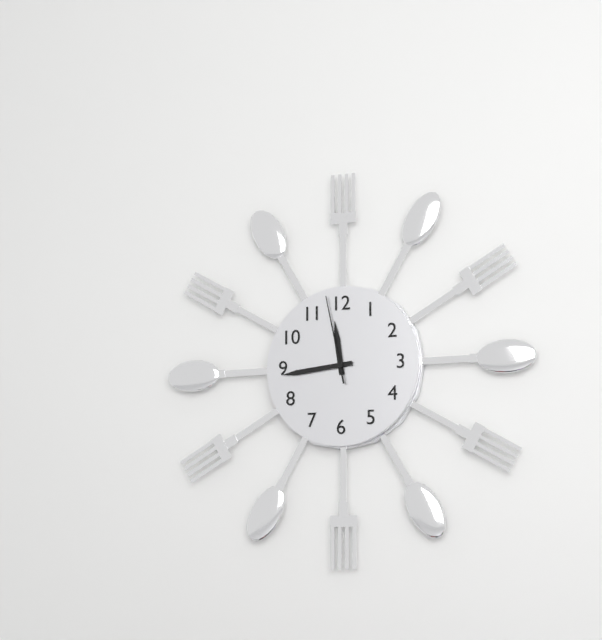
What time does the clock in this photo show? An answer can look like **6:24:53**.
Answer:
**11:44:58**
